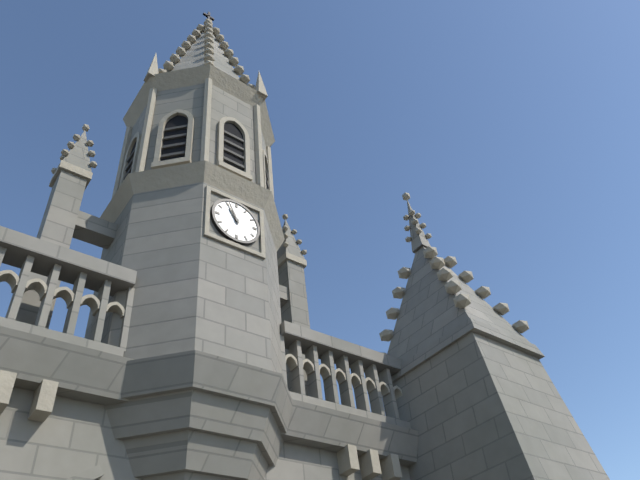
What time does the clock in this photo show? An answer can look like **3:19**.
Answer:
**10:56**
